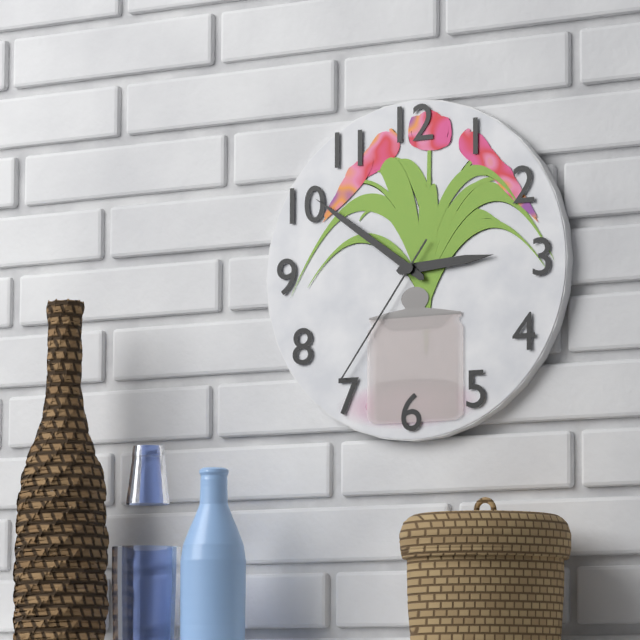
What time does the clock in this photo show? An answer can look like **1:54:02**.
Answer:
**2:51:36**
